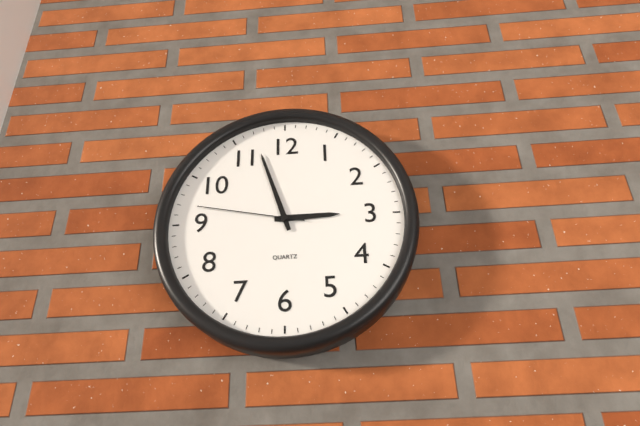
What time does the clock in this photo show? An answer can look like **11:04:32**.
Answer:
**2:57:47**
